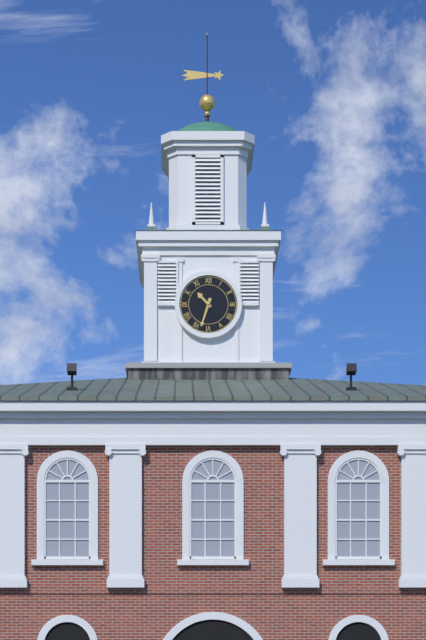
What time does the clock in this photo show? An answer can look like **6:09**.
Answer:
**10:33**
